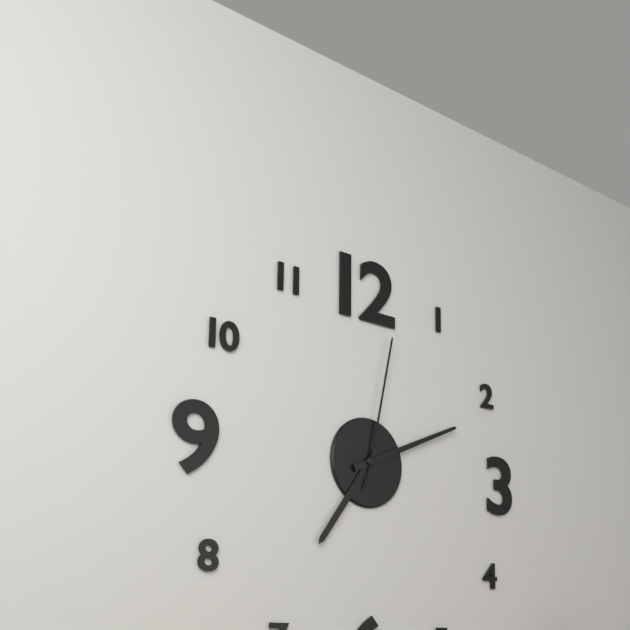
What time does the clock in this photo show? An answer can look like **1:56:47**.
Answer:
**7:11:02**
